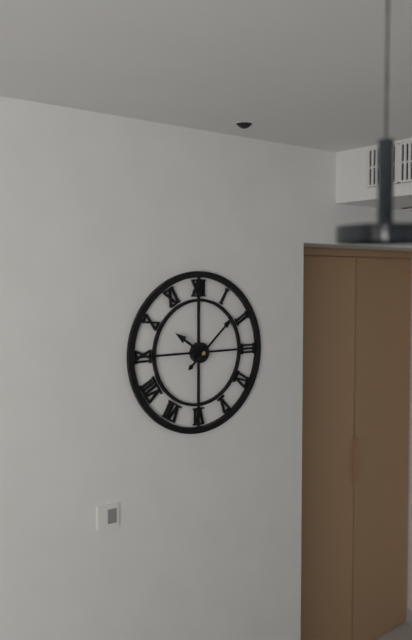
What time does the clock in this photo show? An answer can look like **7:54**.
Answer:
**10:08**
